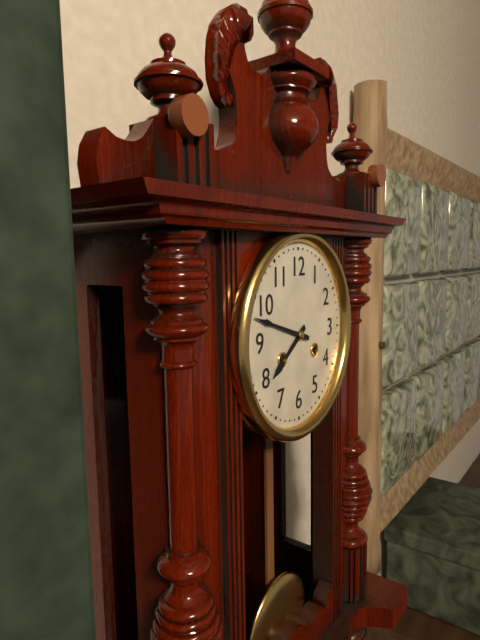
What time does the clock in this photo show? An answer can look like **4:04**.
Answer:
**7:48**
